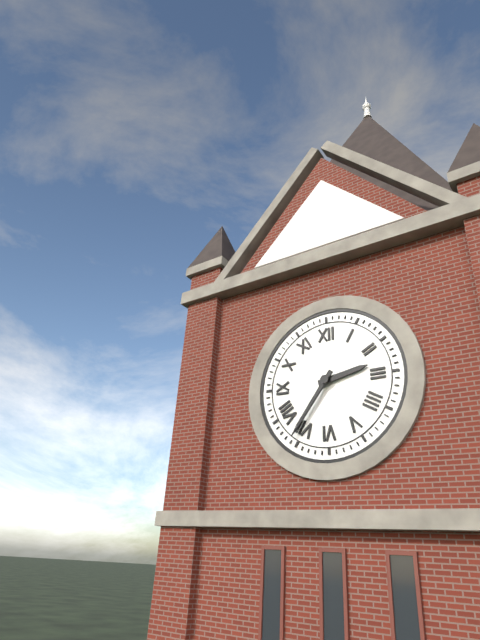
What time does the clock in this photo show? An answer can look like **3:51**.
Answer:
**2:36**
